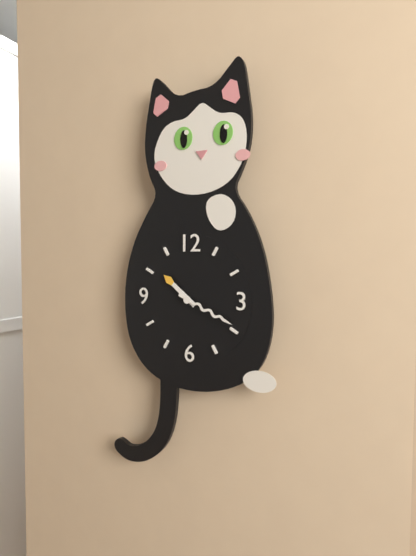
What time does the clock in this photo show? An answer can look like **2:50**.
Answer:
**10:19**
